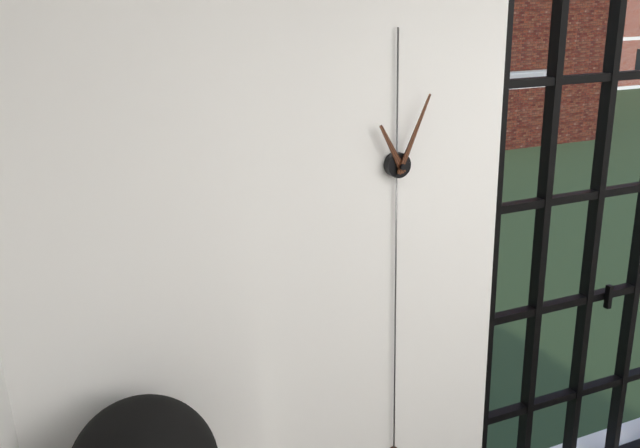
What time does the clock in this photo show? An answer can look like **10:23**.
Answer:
**11:04**
